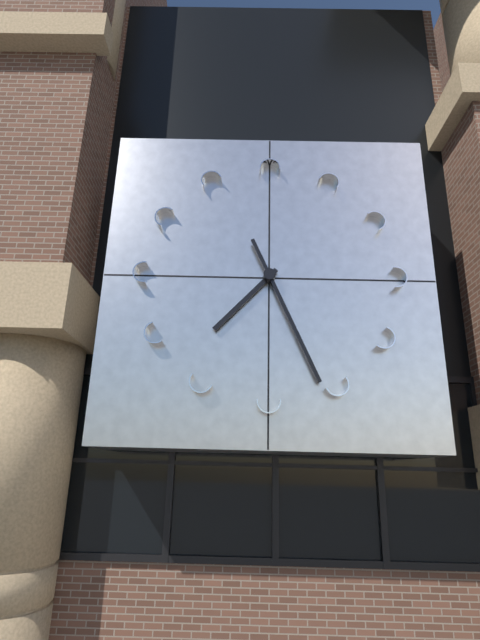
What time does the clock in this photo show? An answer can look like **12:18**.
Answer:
**7:26**
